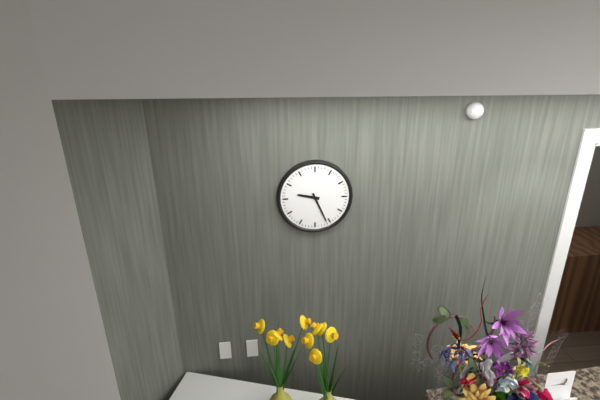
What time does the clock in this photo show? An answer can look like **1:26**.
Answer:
**9:26**
